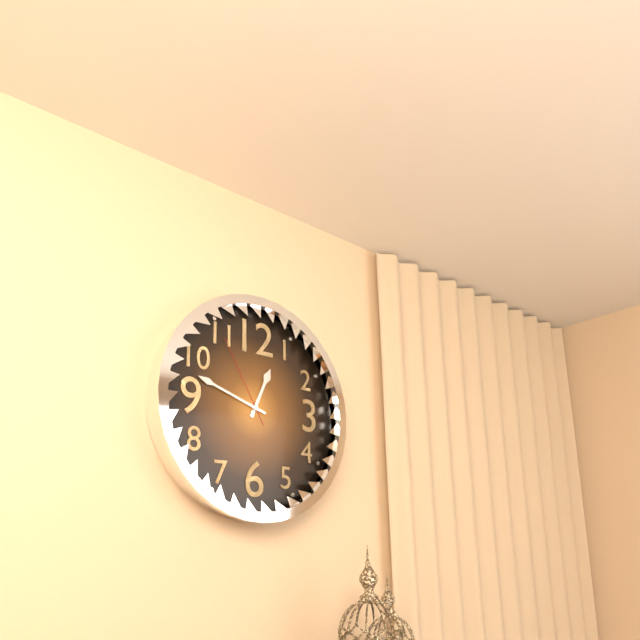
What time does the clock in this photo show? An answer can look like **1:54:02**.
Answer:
**12:48:55**
